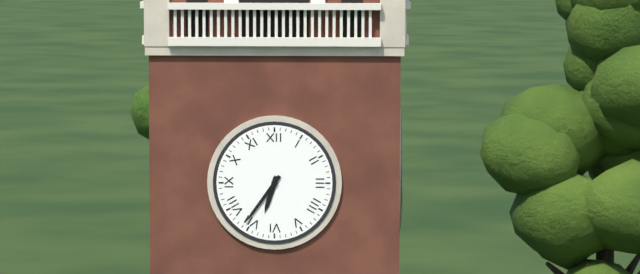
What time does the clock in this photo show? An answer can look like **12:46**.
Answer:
**6:36**
